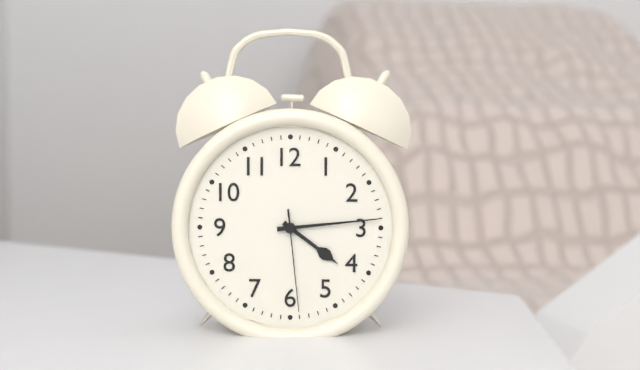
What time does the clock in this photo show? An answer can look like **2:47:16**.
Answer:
**4:14:29**
